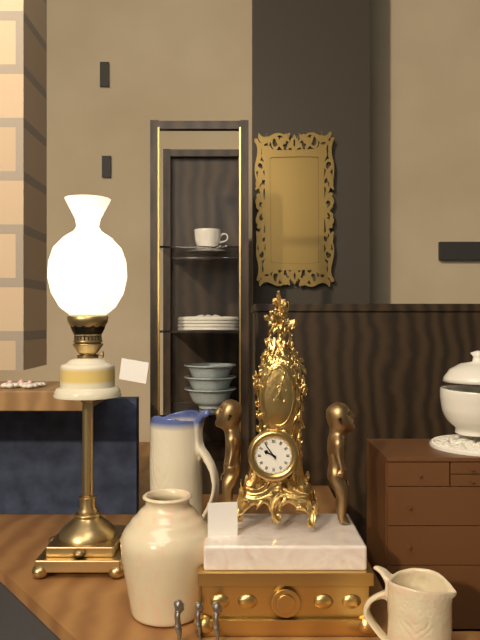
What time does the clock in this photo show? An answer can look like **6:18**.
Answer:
**9:54**
